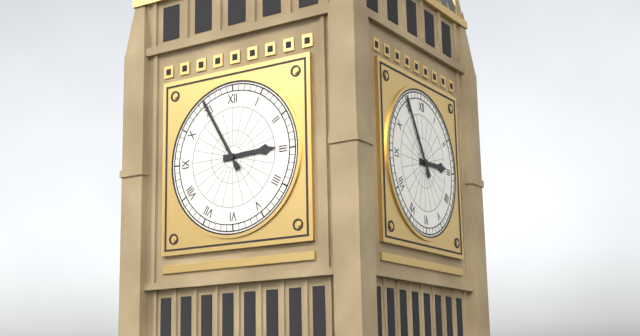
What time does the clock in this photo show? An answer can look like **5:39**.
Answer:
**2:55**
